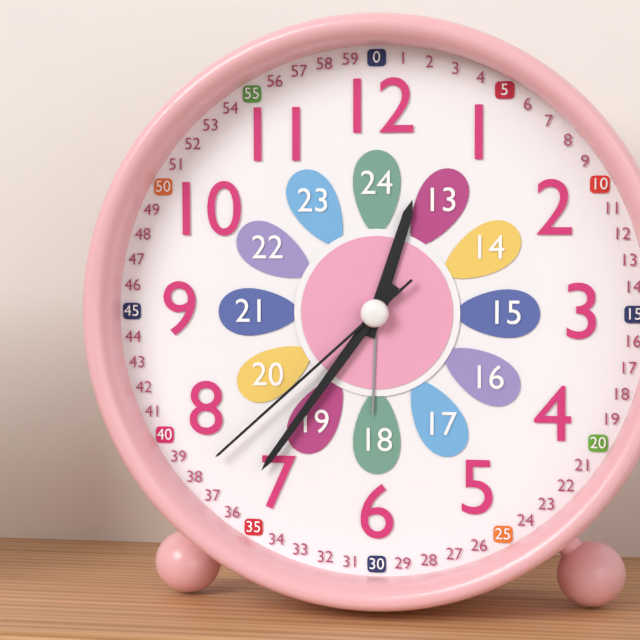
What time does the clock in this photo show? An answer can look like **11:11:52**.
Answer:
**12:36:38**
